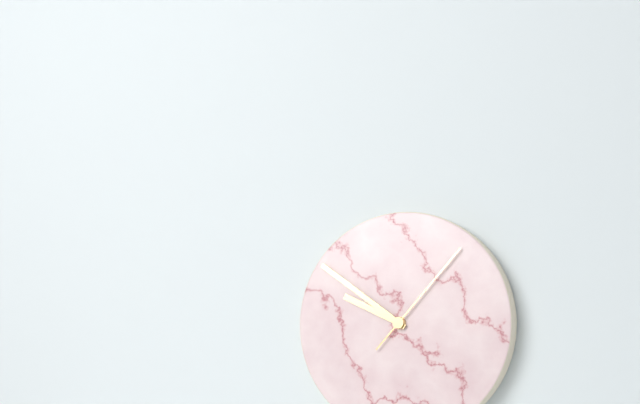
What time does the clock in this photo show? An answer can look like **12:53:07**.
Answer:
**9:51:07**
